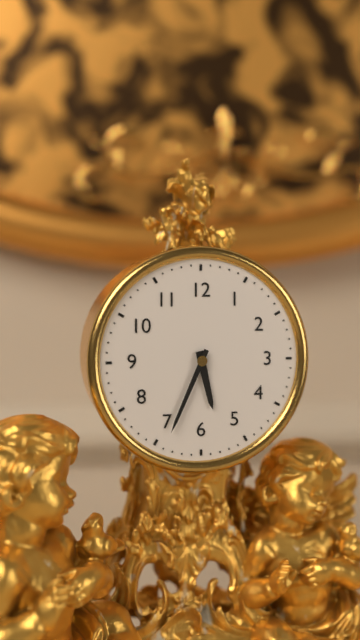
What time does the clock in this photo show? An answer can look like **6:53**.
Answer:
**5:34**
